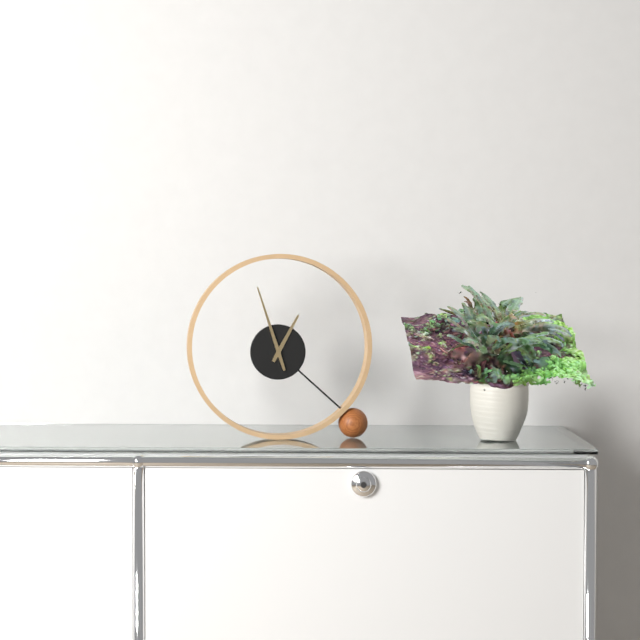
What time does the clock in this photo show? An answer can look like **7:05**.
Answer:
**12:57**
